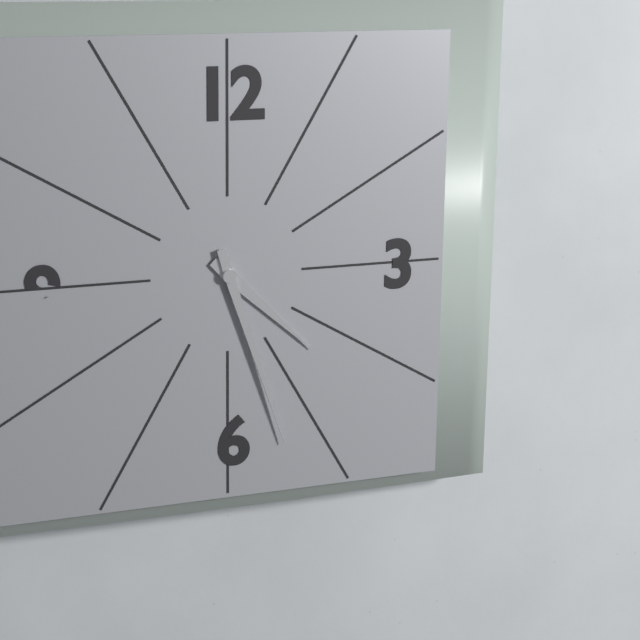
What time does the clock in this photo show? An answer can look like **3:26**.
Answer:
**4:27**
